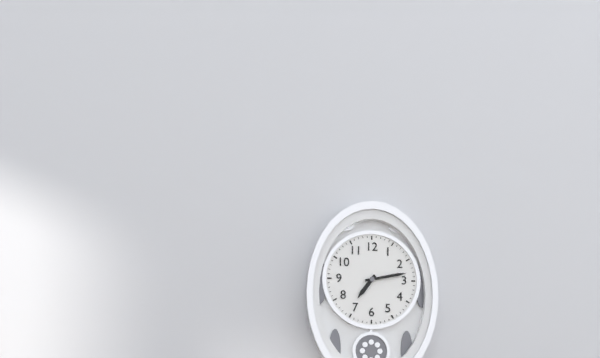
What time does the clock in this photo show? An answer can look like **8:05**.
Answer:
**7:13**
